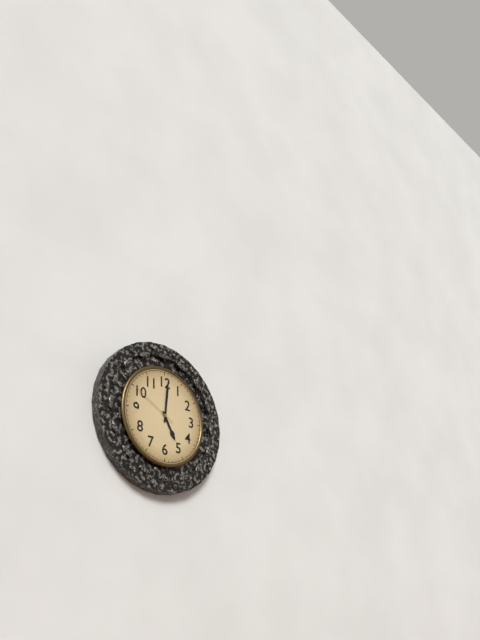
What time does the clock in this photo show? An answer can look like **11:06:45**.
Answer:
**5:01:50**
